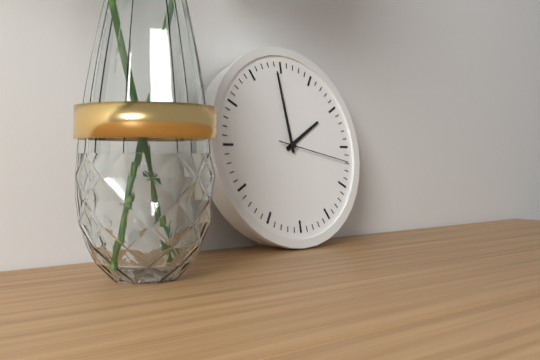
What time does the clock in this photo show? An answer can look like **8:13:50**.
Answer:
**1:59:17**
